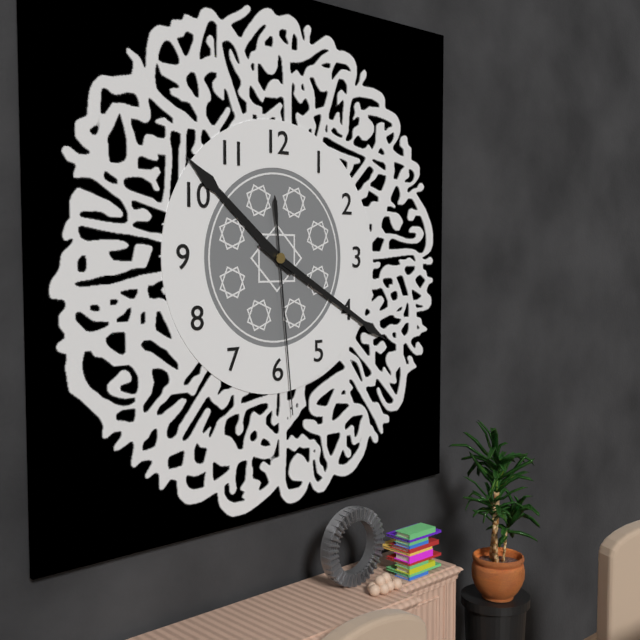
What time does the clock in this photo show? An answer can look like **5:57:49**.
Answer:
**10:20:29**
